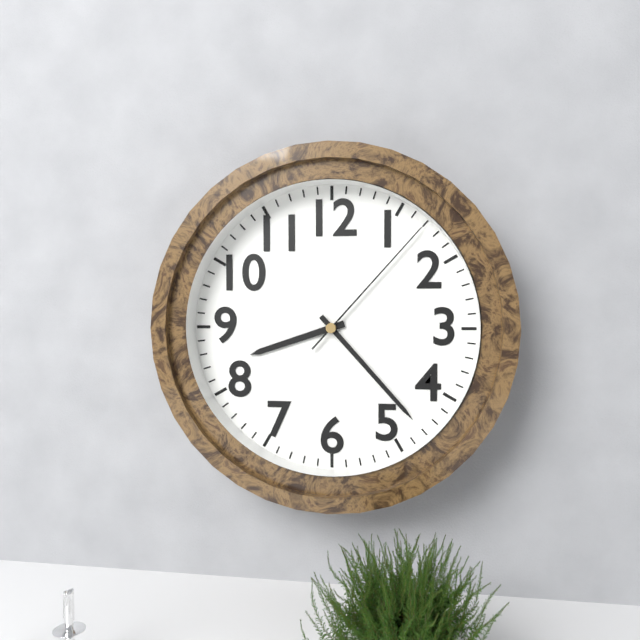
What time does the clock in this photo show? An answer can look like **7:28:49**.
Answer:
**8:23:07**
